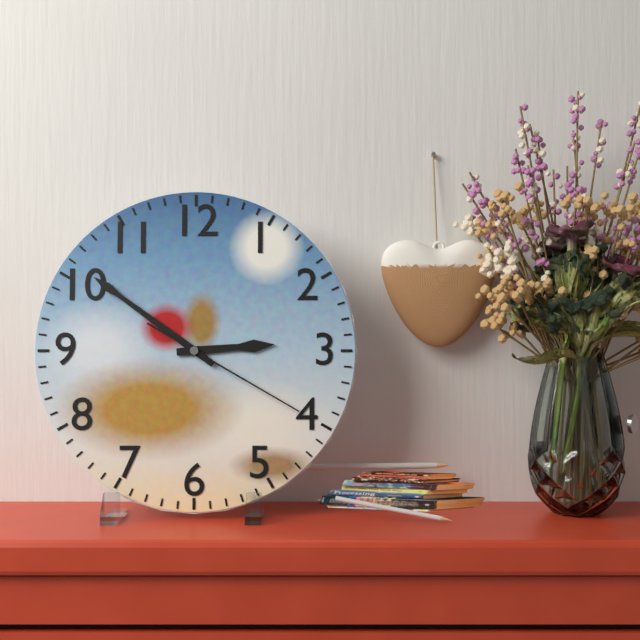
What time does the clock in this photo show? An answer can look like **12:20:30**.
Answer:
**2:51:20**
